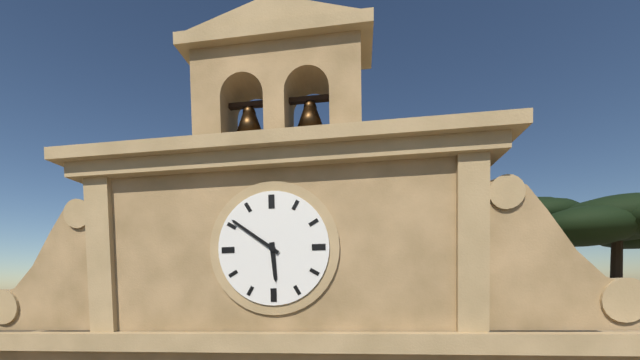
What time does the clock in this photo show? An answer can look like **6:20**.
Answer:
**5:51**
